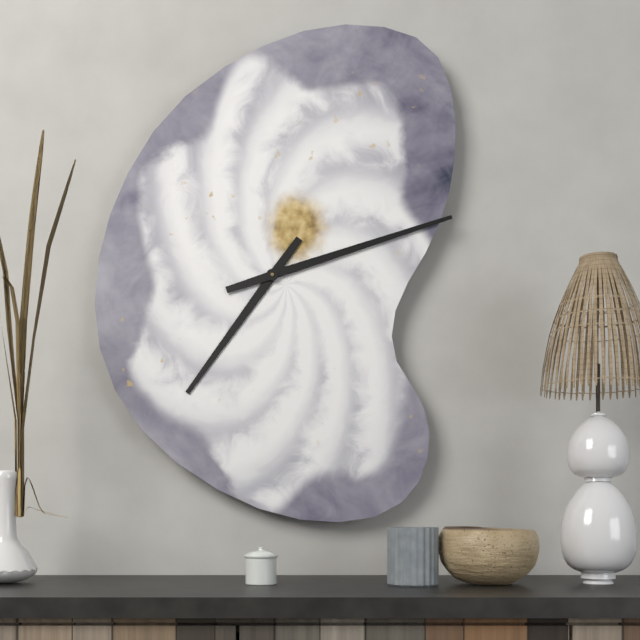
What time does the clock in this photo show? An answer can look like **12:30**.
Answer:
**7:12**
